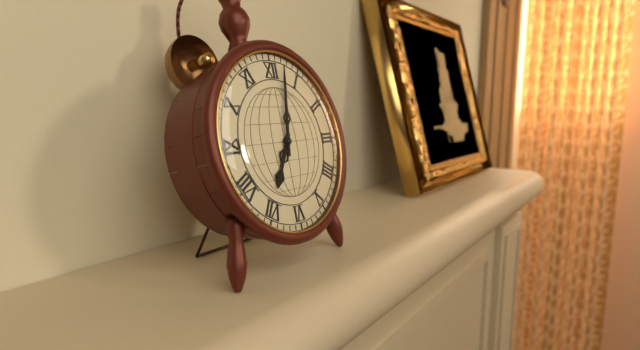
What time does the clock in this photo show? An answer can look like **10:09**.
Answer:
**7:02**
